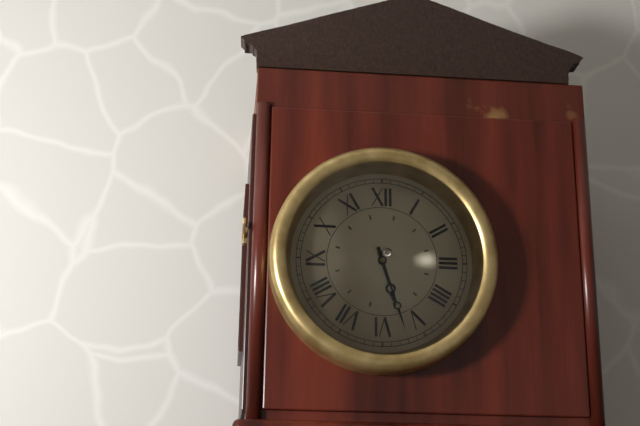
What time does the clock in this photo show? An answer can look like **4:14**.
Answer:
**5:27**
